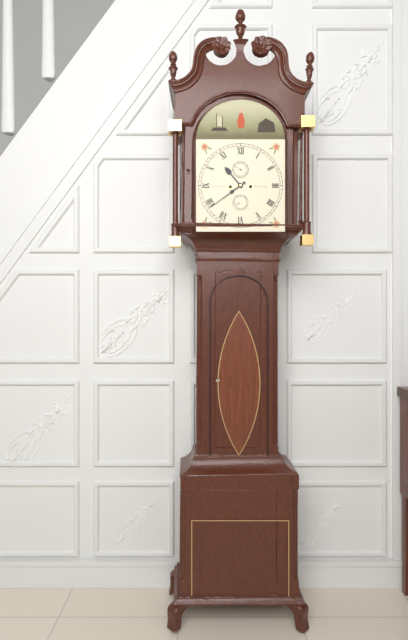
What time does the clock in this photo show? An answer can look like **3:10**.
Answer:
**10:39**
